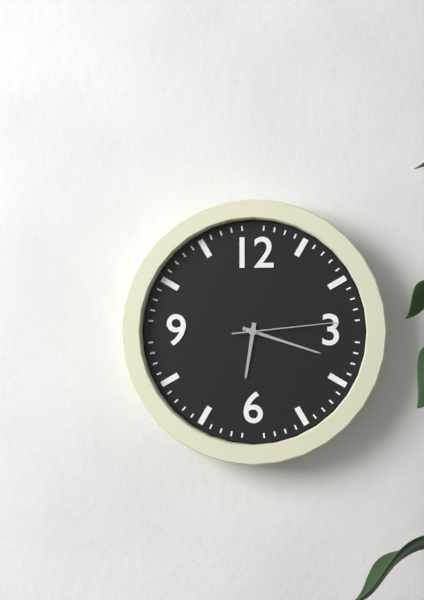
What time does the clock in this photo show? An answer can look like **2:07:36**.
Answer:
**6:18:14**
